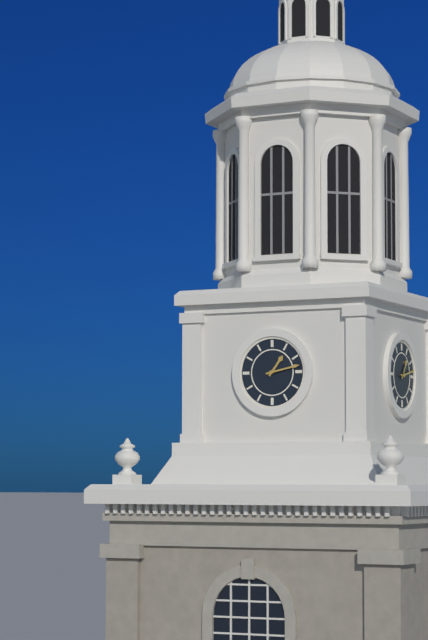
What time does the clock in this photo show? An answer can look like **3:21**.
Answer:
**1:13**
